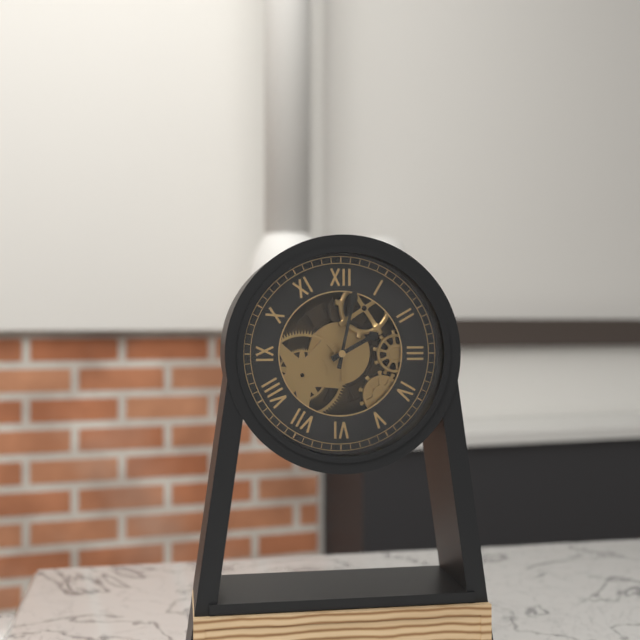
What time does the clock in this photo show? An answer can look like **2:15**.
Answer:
**2:02**
